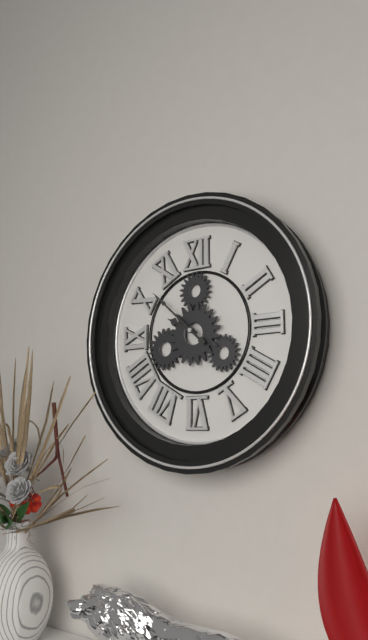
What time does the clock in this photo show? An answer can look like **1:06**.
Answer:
**9:52**
